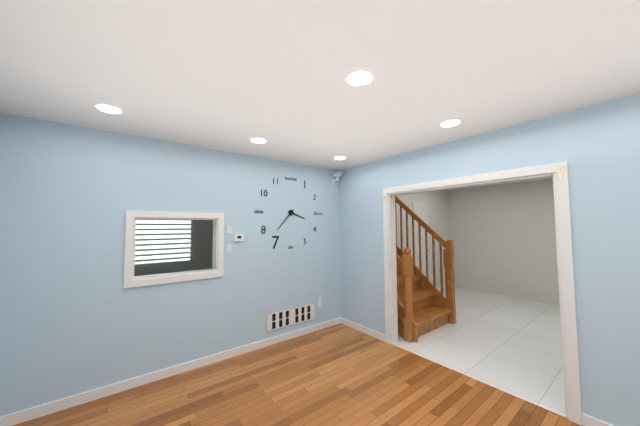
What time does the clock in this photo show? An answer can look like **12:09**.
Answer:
**3:37**
